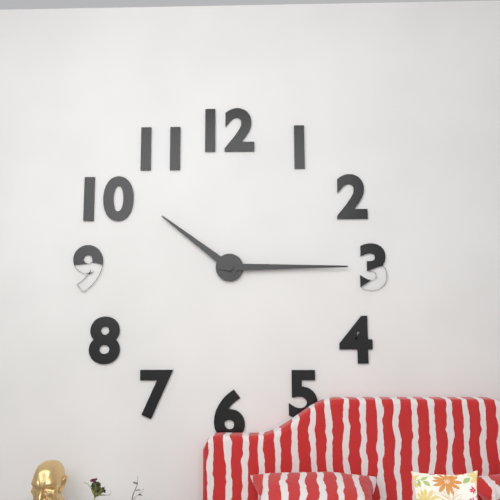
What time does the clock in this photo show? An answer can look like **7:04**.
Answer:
**10:15**
